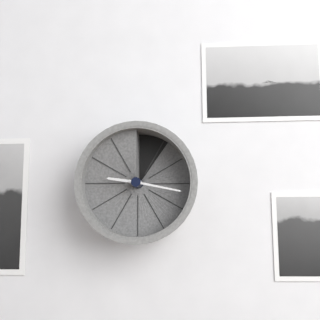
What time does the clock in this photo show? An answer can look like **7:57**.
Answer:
**9:17**
